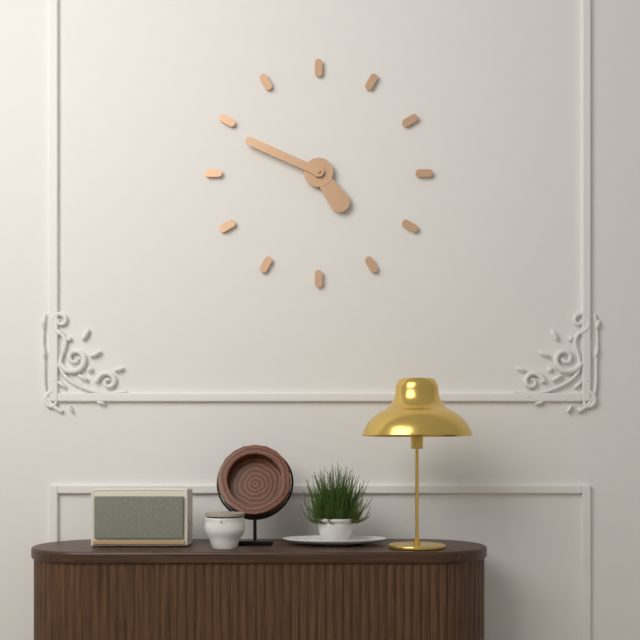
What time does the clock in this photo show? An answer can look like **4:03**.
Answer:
**4:49**
